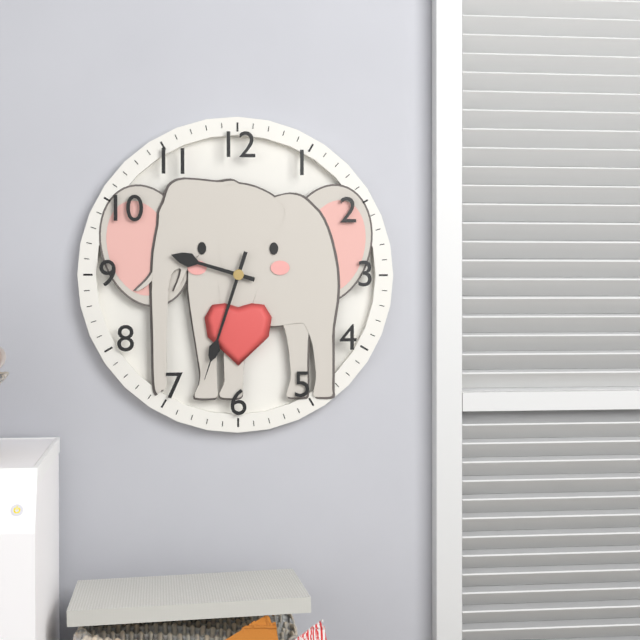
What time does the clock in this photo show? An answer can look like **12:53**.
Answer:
**9:33**
